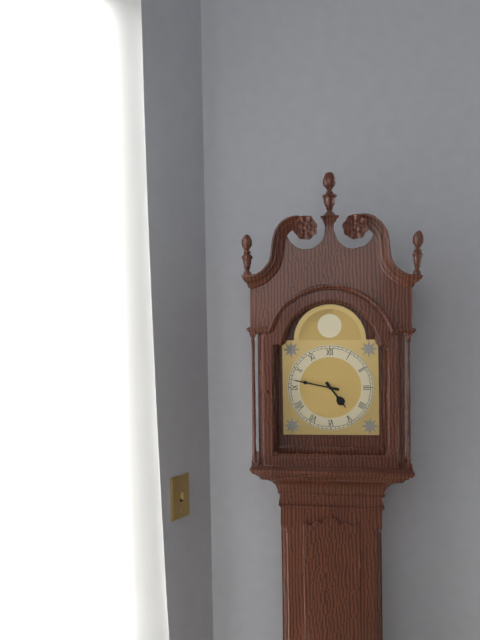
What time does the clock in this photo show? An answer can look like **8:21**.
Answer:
**4:47**
